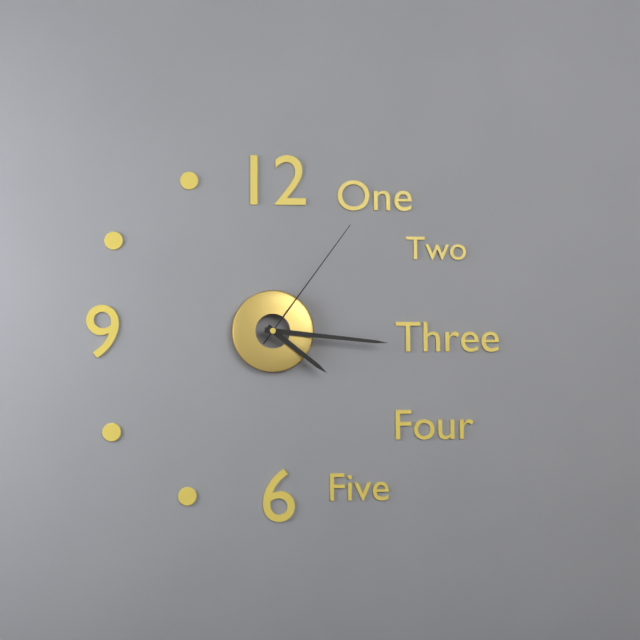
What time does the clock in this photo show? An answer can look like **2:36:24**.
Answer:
**4:16:06**
